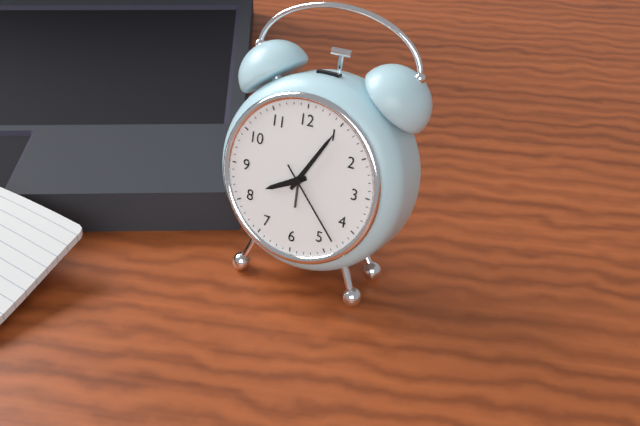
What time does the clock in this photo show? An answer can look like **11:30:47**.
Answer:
**8:05:23**
